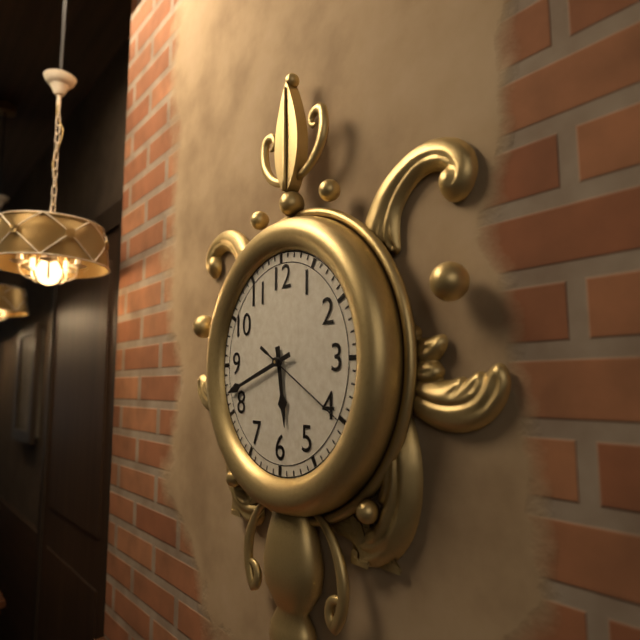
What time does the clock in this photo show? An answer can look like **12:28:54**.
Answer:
**5:42:20**
